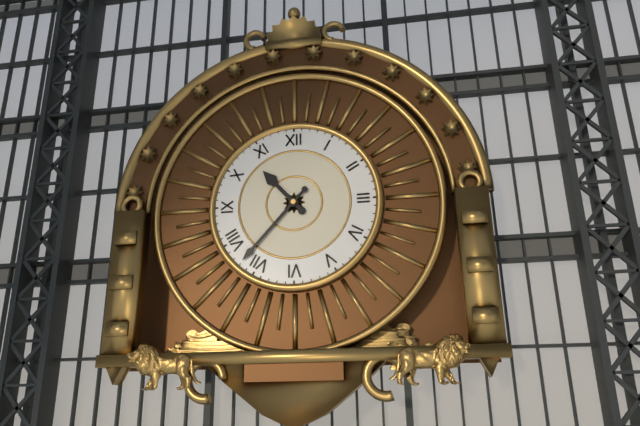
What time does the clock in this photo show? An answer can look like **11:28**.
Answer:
**10:37**
